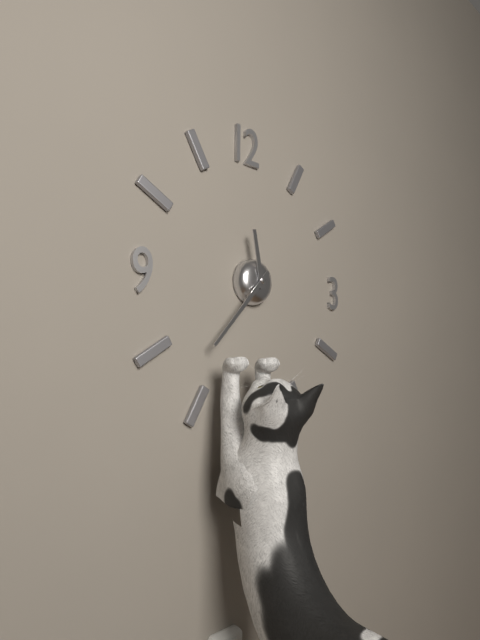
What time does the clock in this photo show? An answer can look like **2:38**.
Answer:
**11:37**
